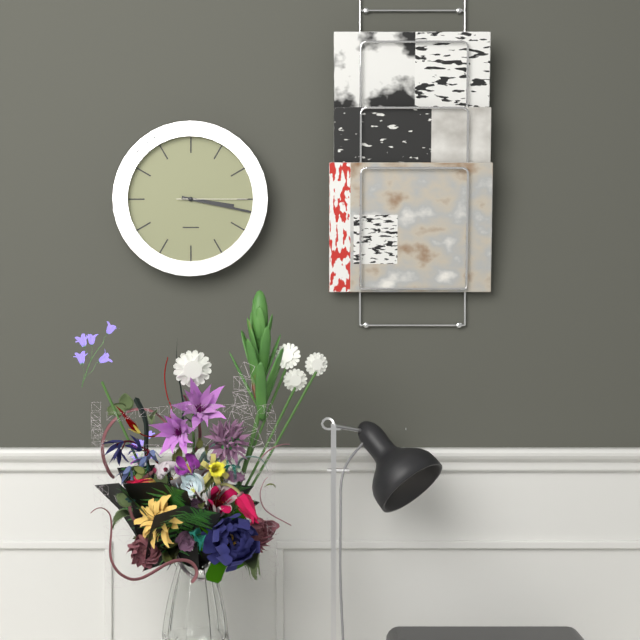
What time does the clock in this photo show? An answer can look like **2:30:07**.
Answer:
**3:17:15**
